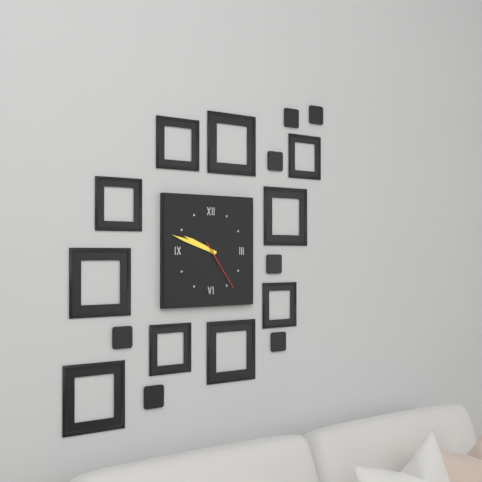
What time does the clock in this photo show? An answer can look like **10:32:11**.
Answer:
**9:48:24**
